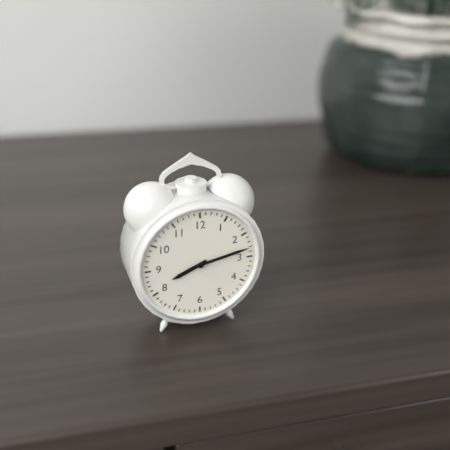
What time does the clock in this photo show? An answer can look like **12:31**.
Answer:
**8:13**
